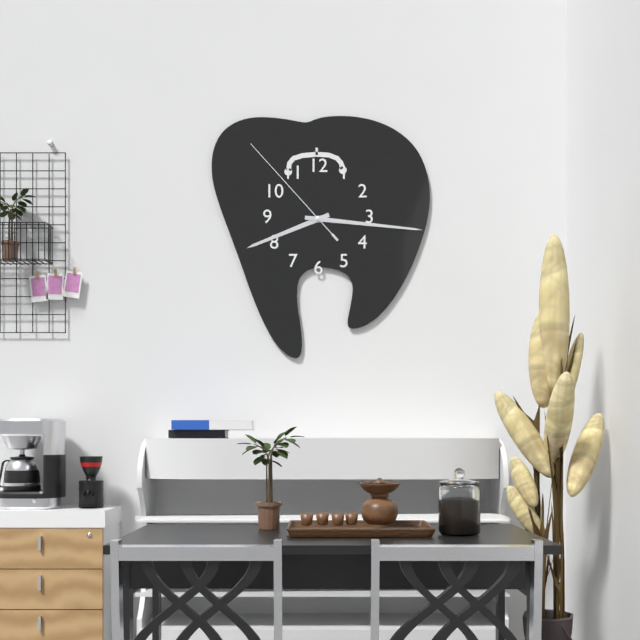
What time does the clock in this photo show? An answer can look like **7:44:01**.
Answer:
**8:16:53**
